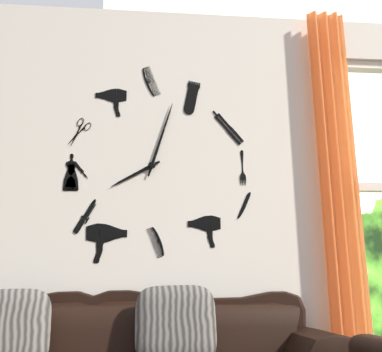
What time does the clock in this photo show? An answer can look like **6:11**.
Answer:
**8:03**
